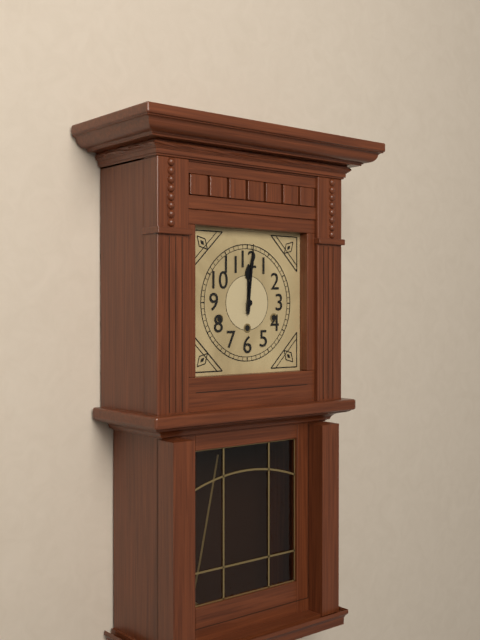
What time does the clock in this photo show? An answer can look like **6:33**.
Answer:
**12:01**
